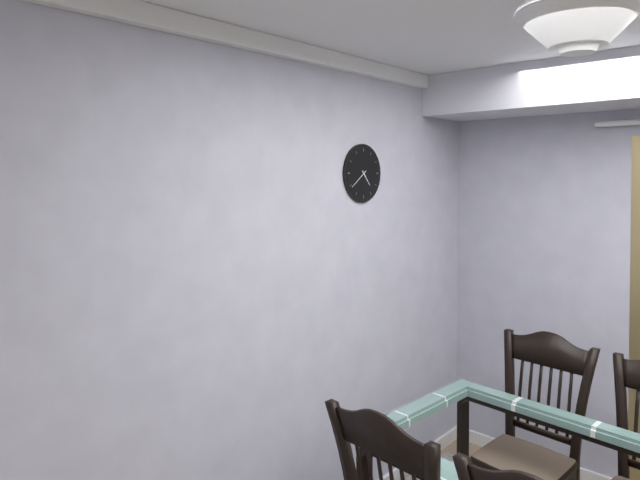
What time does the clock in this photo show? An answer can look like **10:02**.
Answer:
**4:39**
